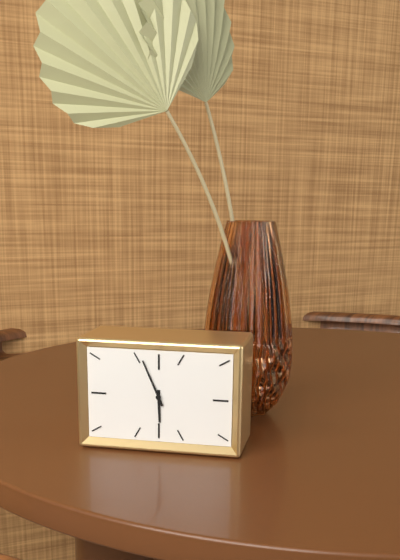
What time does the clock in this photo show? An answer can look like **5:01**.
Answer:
**5:56**
